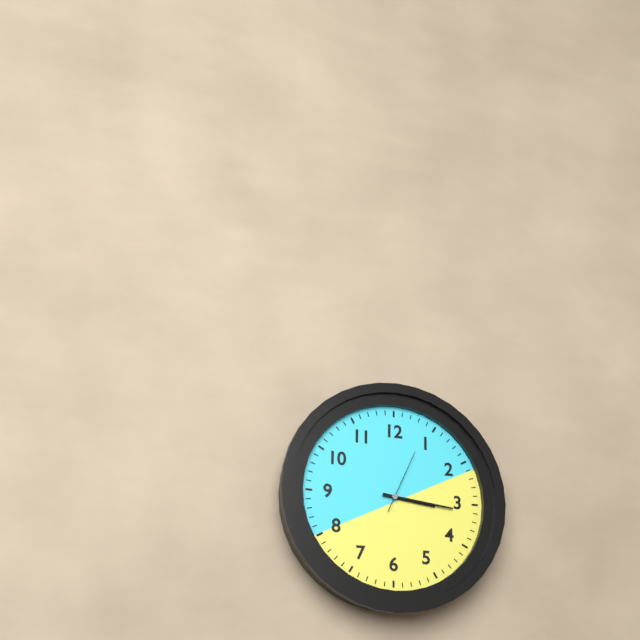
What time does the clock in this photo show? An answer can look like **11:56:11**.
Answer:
**3:16:04**
